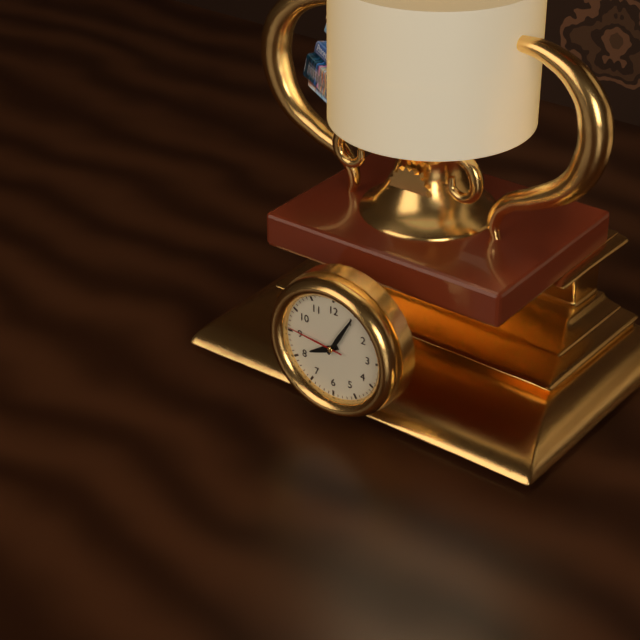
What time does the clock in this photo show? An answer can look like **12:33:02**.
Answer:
**8:05:46**
